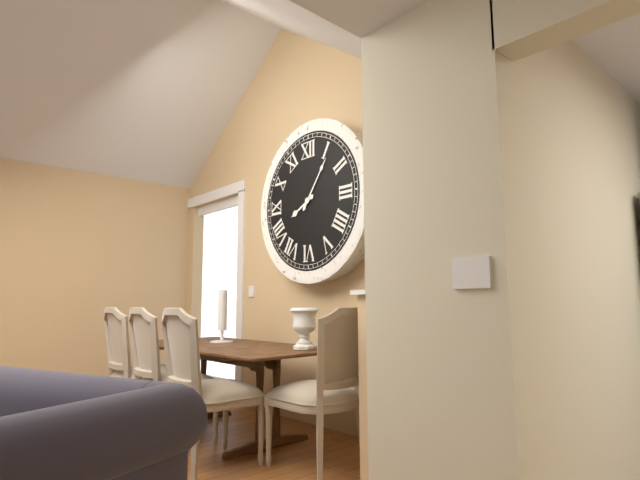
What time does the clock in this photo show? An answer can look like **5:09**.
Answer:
**8:06**
